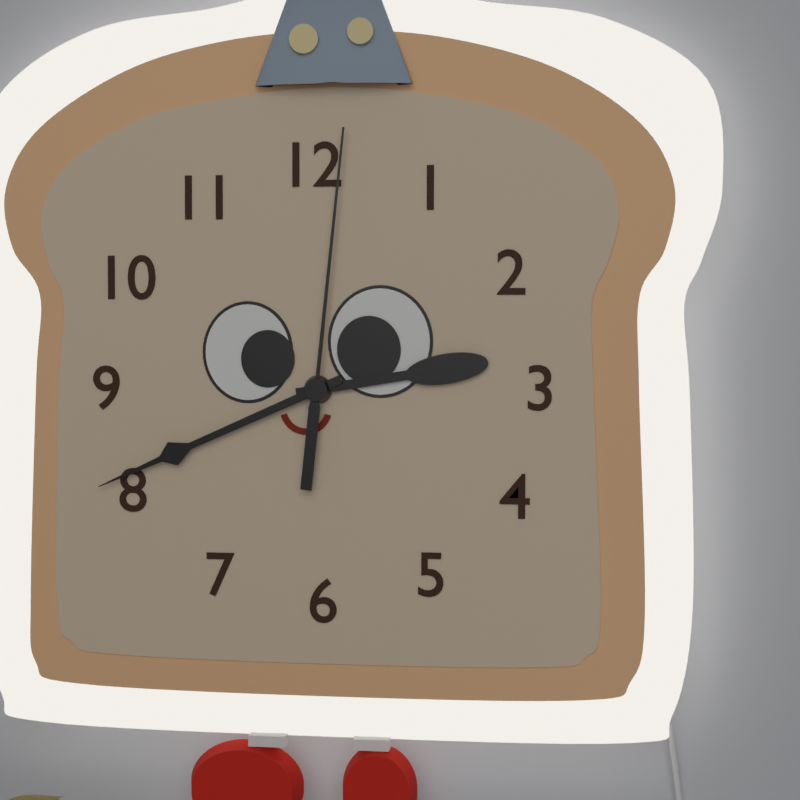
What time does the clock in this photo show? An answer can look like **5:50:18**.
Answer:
**2:41:01**
